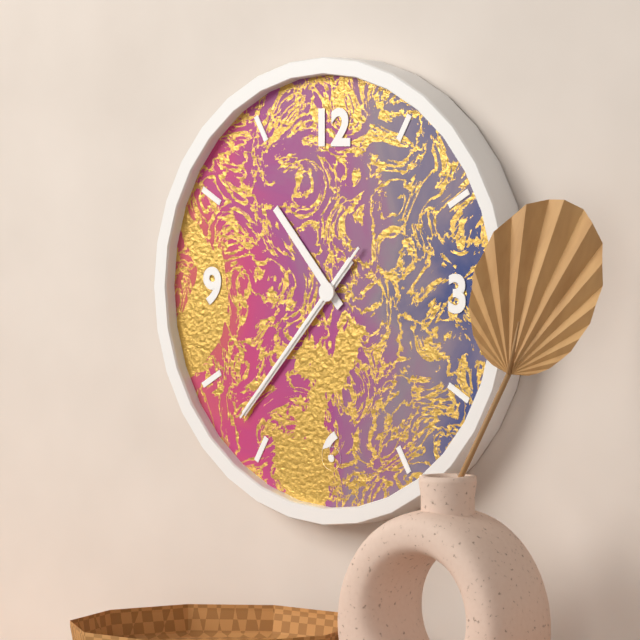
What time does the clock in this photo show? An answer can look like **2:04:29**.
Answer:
**10:37:37**
